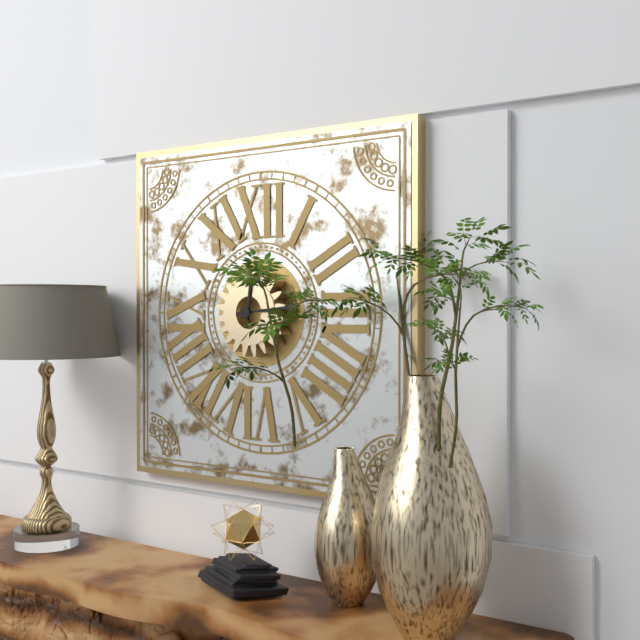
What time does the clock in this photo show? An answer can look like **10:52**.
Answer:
**12:14**
